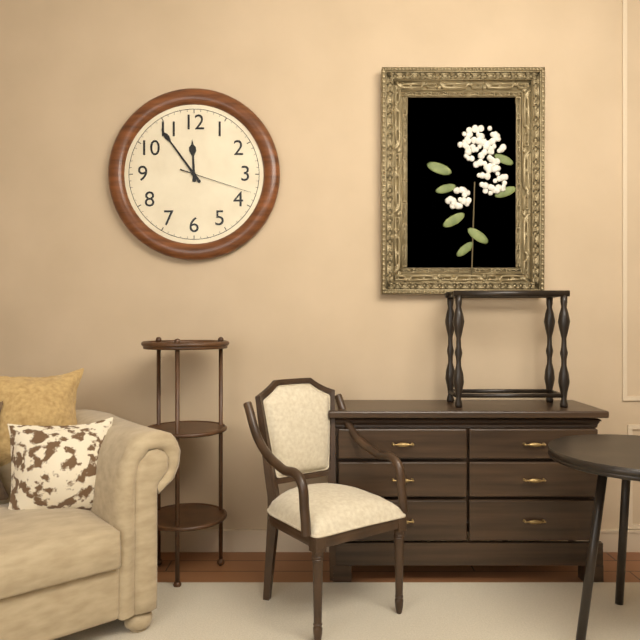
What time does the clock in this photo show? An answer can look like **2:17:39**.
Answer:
**11:54:18**
